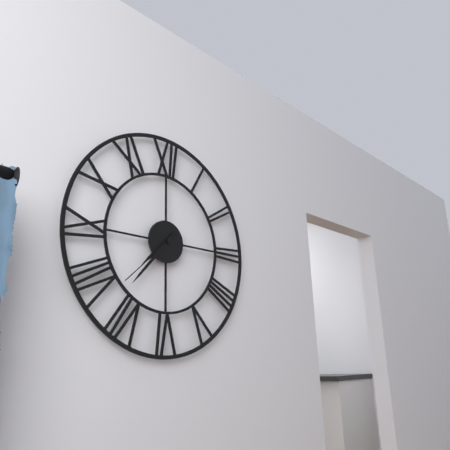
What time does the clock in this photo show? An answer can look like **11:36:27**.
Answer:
**7:37:38**
